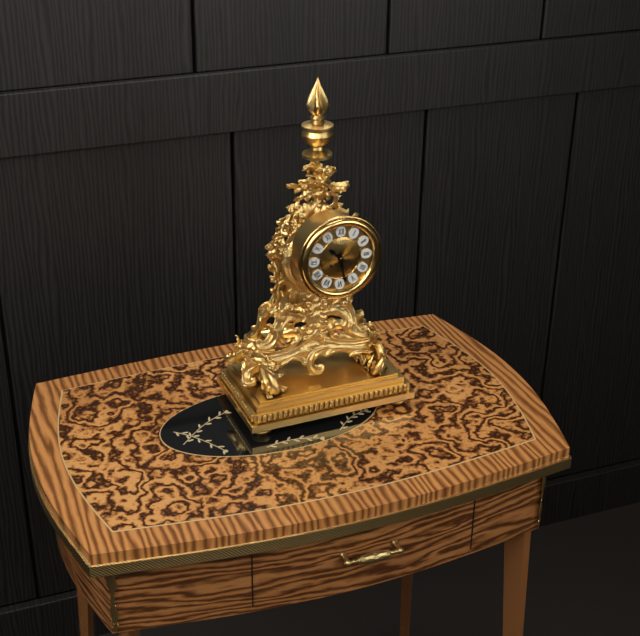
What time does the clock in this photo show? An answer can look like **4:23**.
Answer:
**10:28**
